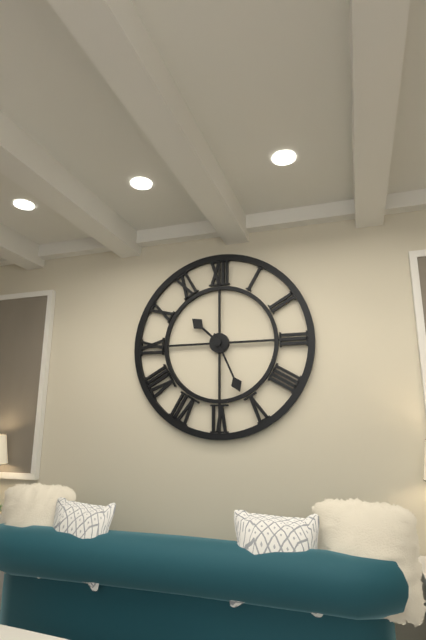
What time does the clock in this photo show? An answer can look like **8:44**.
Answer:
**10:26**
